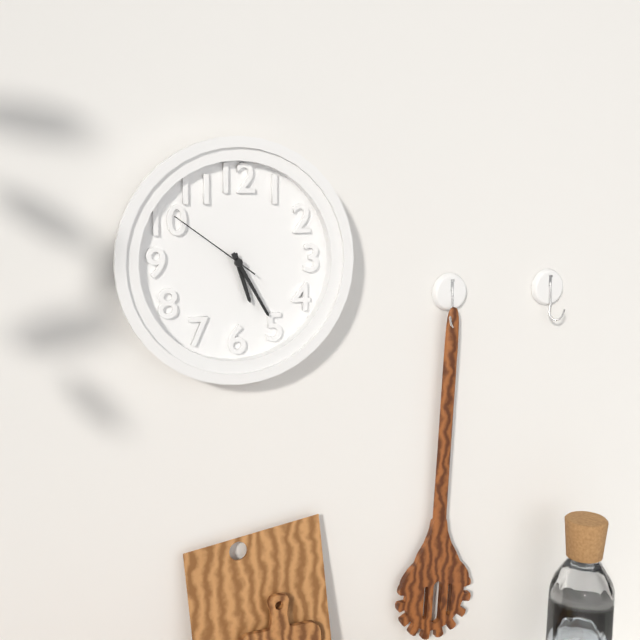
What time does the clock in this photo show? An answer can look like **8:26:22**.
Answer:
**5:25:51**
